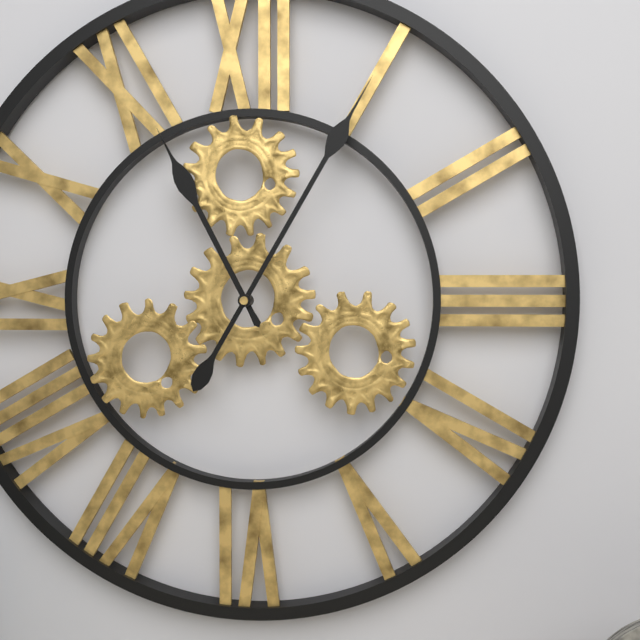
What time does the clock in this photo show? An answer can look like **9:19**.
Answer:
**11:05**
